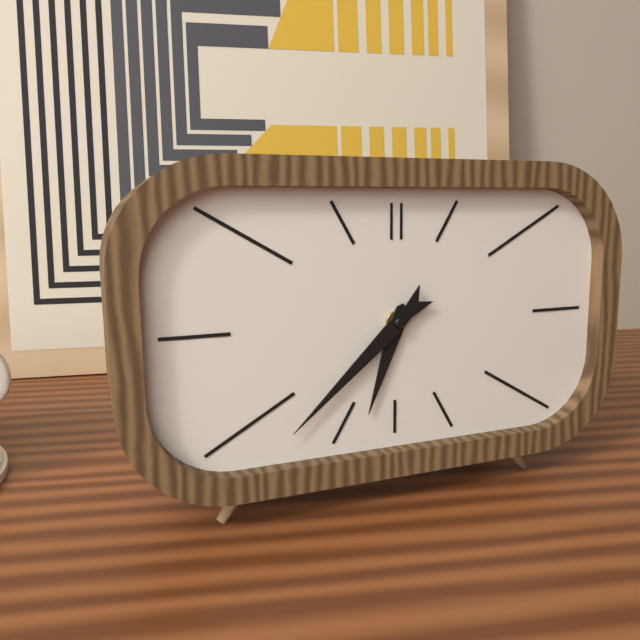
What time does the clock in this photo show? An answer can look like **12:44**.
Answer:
**6:38**
